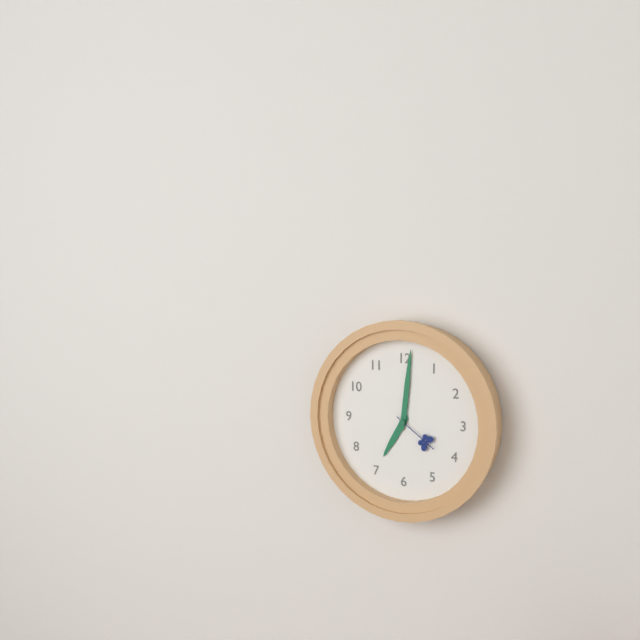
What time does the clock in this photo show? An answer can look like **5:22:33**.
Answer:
**7:01:21**
